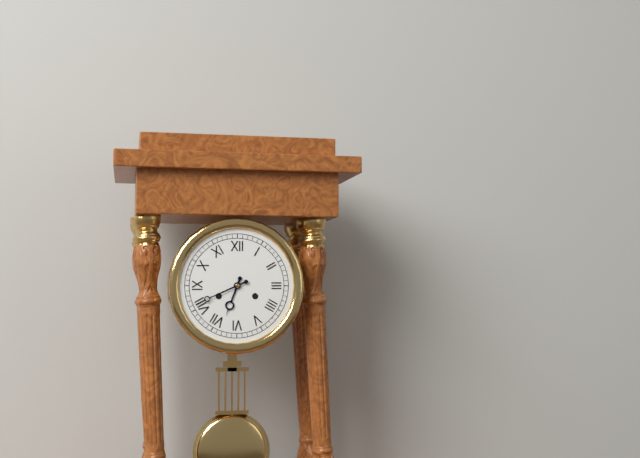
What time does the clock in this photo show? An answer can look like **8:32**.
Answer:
**6:41**
